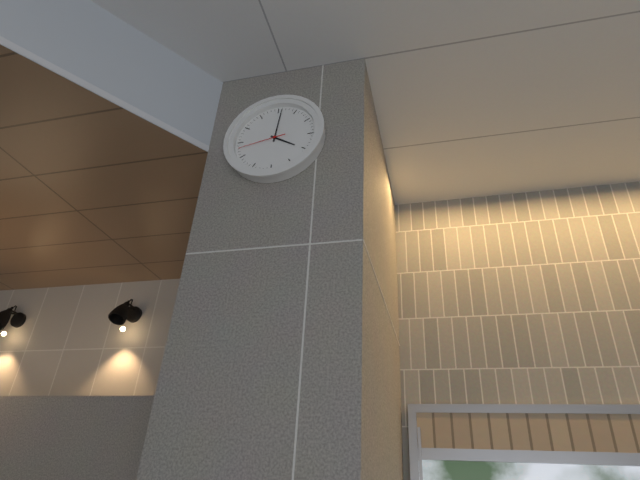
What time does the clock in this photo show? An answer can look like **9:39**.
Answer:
**4:01**
